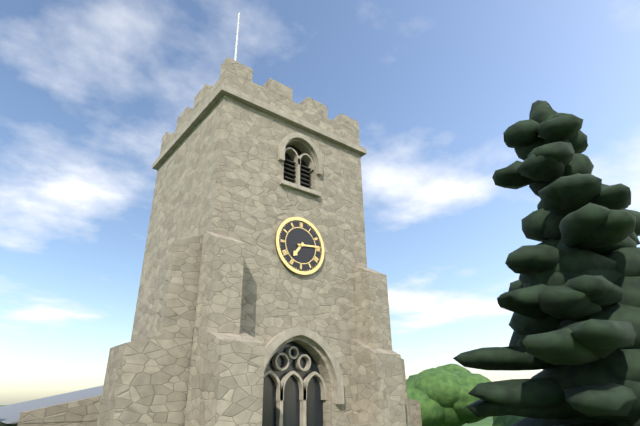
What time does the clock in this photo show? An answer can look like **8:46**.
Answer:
**7:14**
